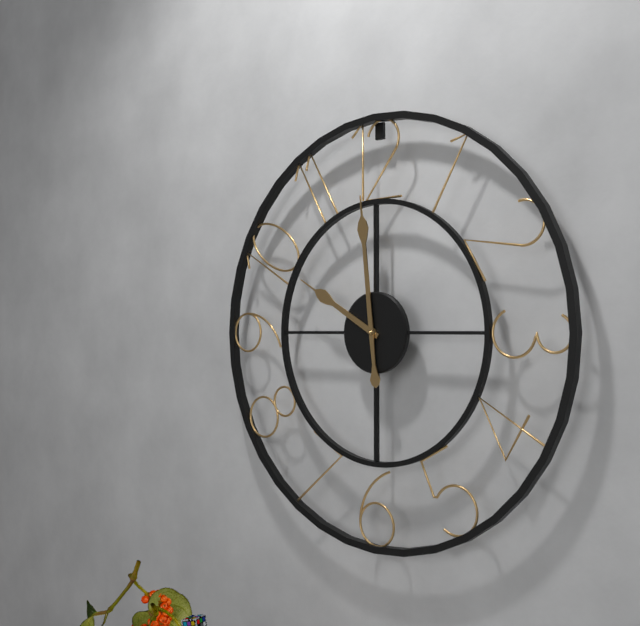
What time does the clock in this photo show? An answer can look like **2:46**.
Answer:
**9:59**
